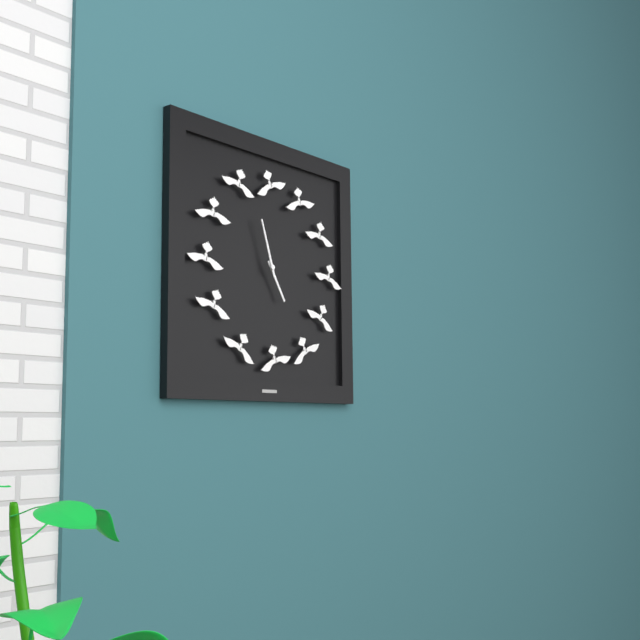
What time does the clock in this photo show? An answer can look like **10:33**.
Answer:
**4:57**
